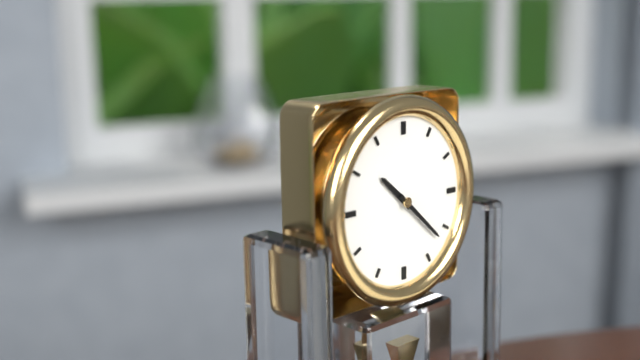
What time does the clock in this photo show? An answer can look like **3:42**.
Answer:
**10:22**
